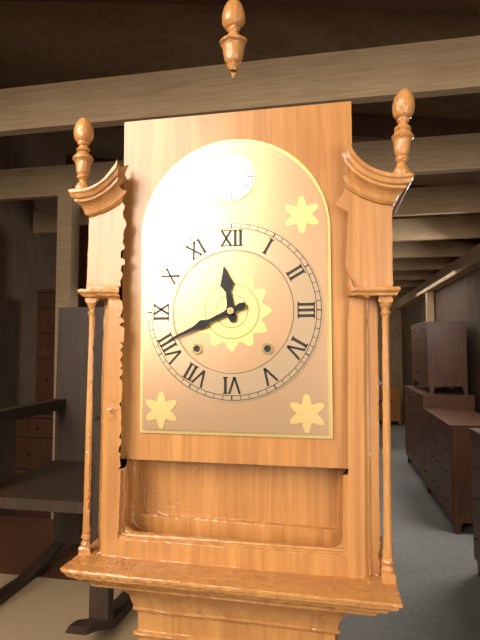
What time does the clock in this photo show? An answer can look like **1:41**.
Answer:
**11:41**
